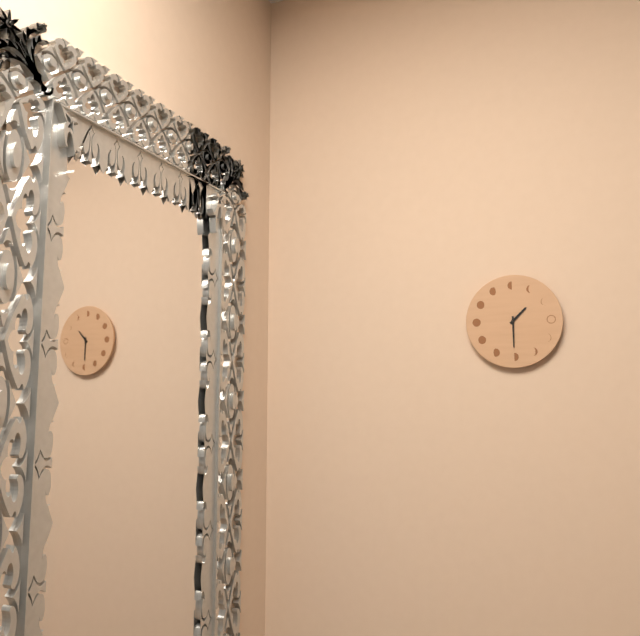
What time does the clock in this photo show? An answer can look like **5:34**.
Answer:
**1:30**
